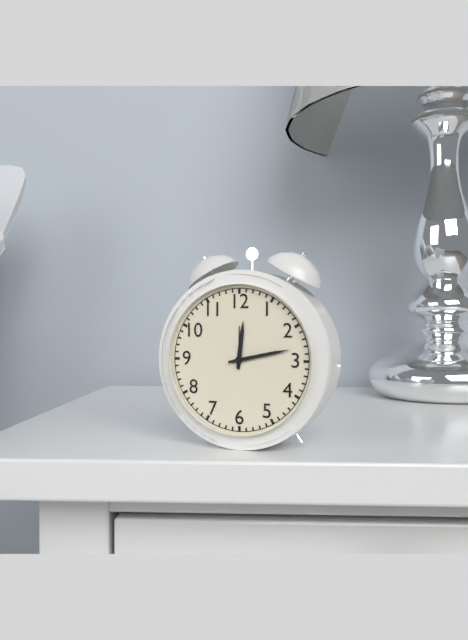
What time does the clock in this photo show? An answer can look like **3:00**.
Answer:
**12:13**
